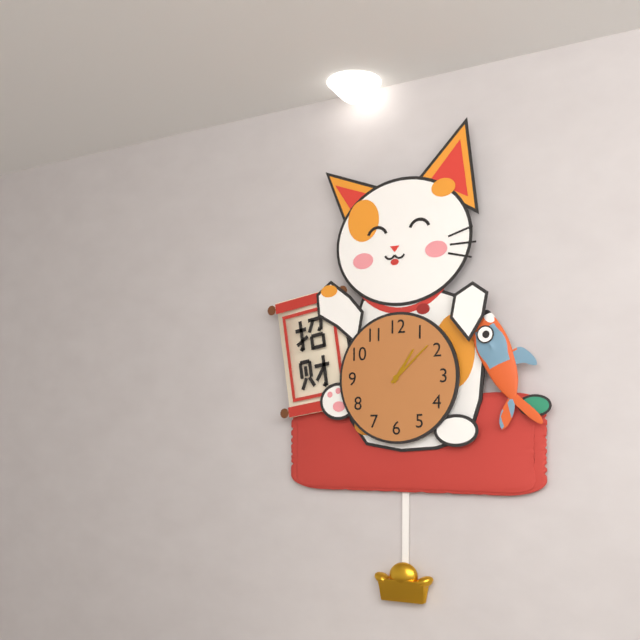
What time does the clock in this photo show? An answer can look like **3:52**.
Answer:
**1:08**
